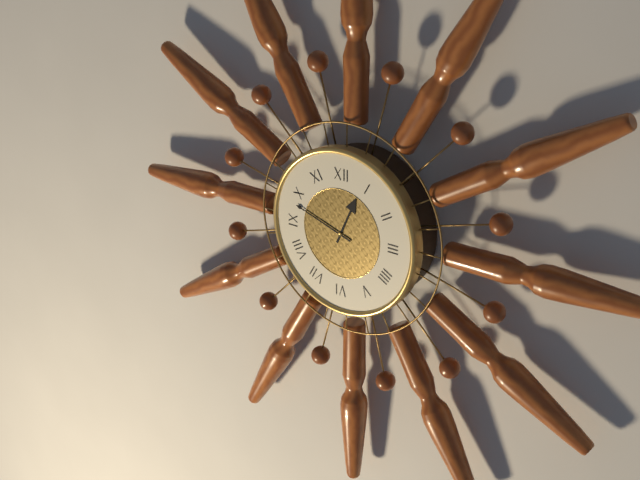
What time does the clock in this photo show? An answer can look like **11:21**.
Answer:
**12:48**
